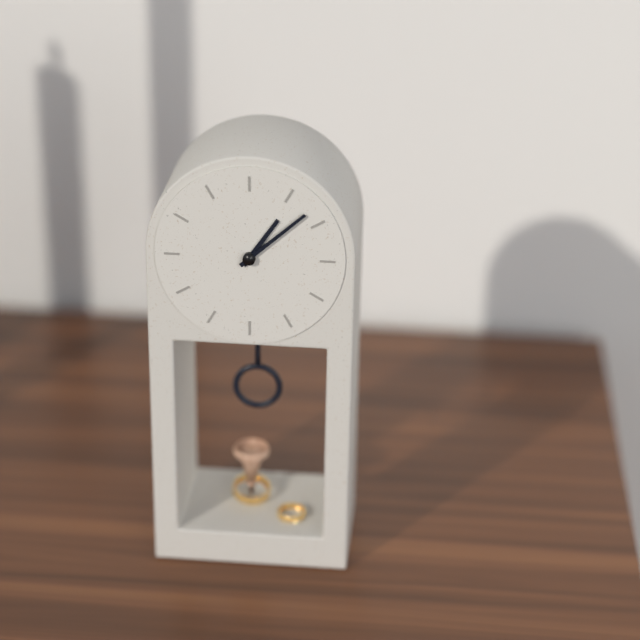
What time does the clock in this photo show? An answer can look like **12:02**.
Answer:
**1:08**
